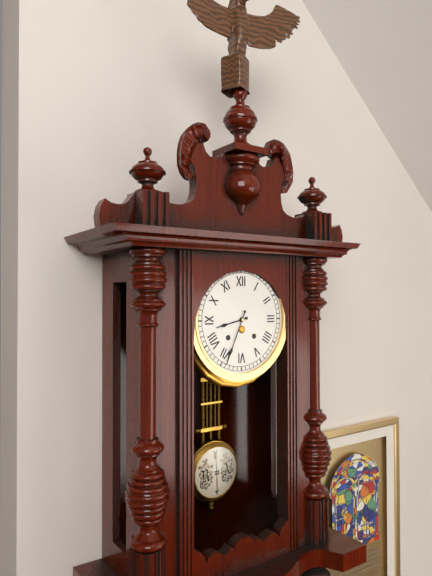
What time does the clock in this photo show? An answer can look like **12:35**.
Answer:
**8:34**
